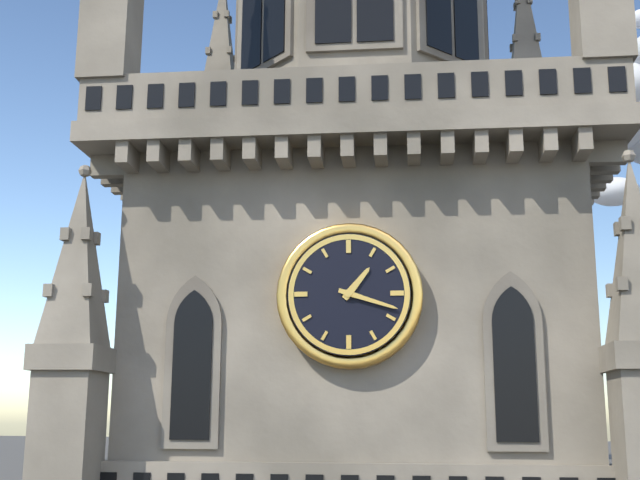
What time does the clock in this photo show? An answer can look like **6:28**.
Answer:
**1:18**
